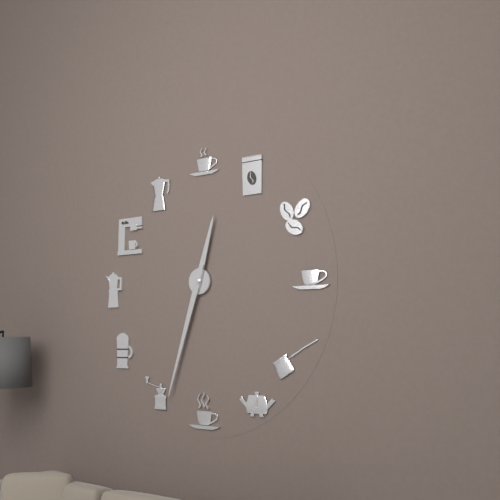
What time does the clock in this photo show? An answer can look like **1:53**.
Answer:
**12:33**
